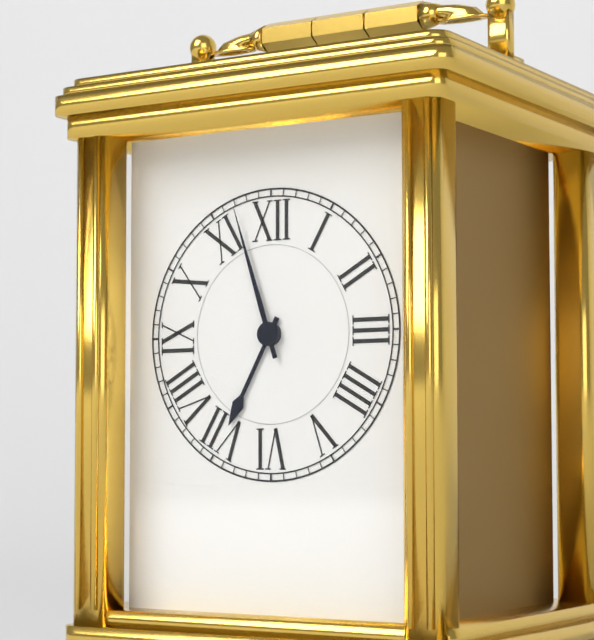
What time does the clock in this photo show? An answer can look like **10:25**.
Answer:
**6:57**
